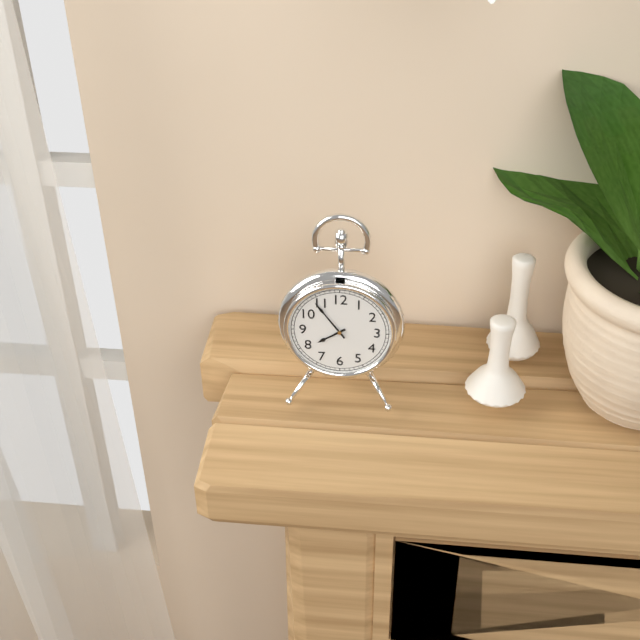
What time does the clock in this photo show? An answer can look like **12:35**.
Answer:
**7:54**
